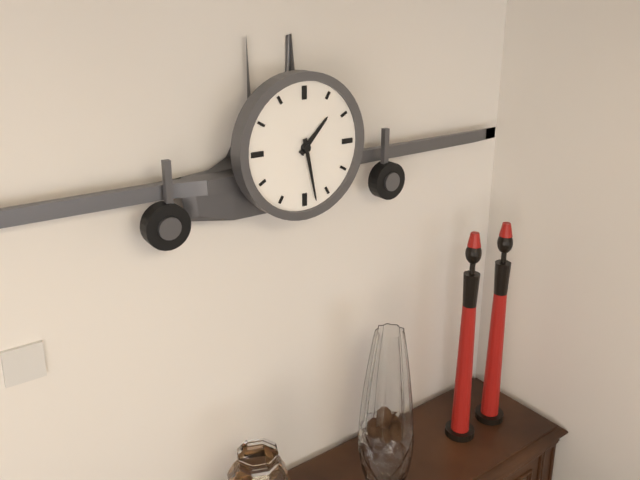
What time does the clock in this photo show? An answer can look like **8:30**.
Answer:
**1:28**
